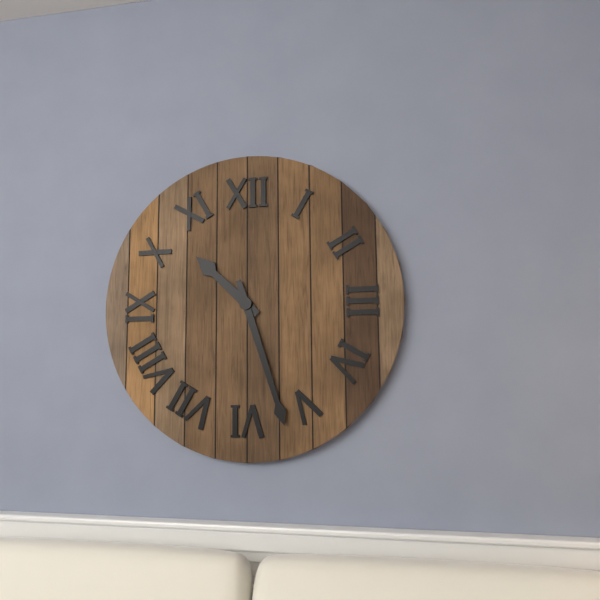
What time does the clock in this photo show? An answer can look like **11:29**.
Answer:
**10:27**
